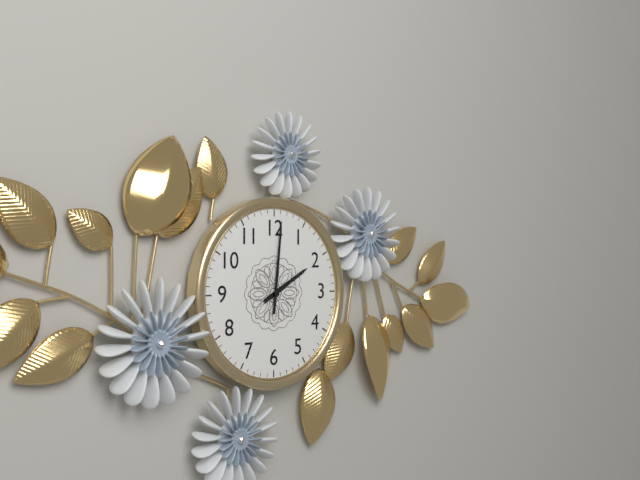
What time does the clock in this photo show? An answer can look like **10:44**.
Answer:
**2:01**
